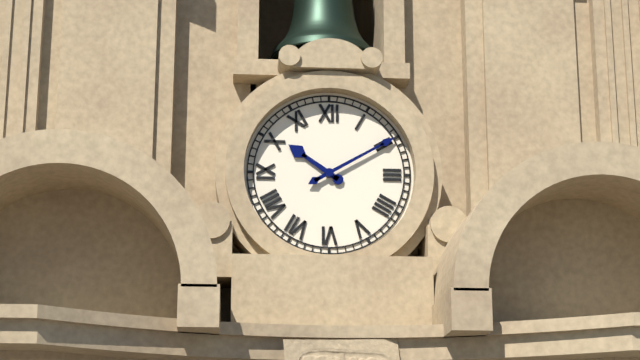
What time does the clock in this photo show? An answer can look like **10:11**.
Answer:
**10:10**
